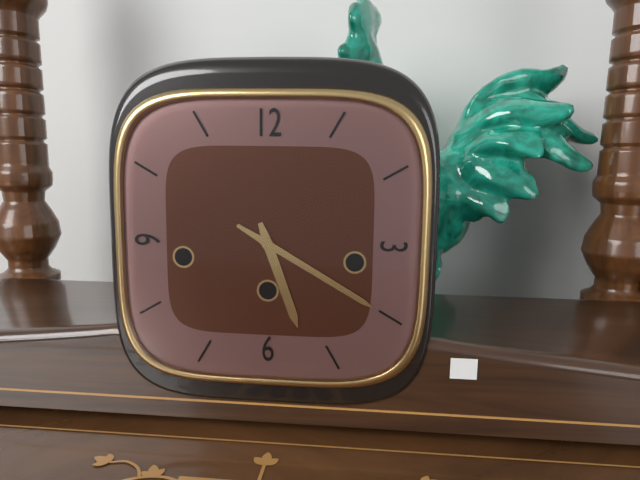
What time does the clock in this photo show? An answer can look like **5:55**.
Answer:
**5:20**
